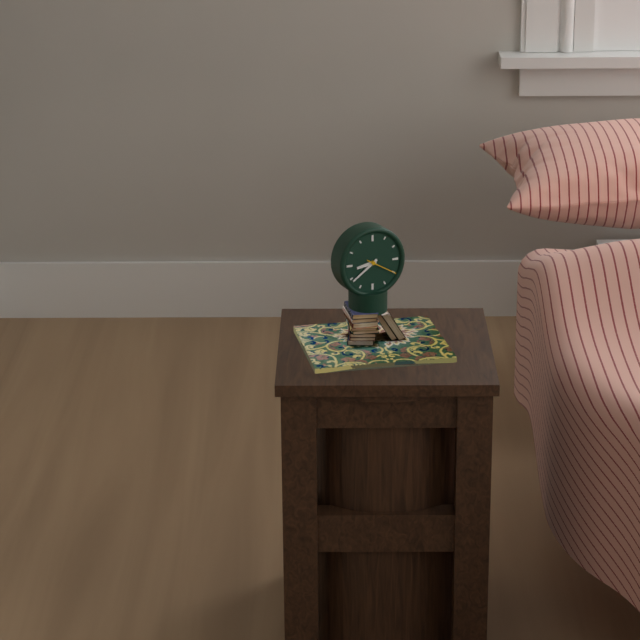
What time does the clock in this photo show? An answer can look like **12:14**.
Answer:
**8:39**
